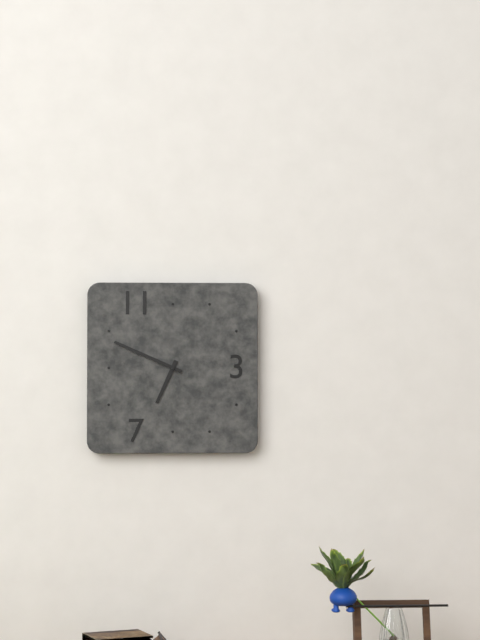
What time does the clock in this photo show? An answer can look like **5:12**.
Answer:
**6:49**
